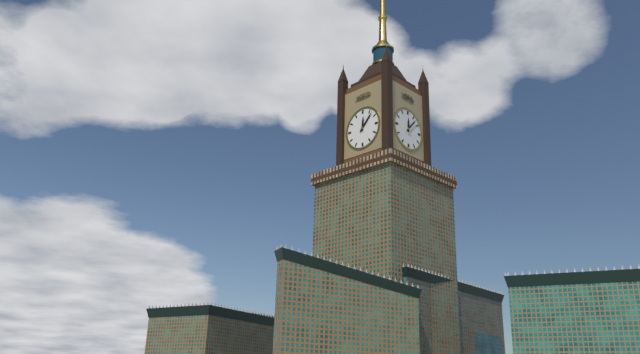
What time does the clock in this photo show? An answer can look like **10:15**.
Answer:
**12:07**
